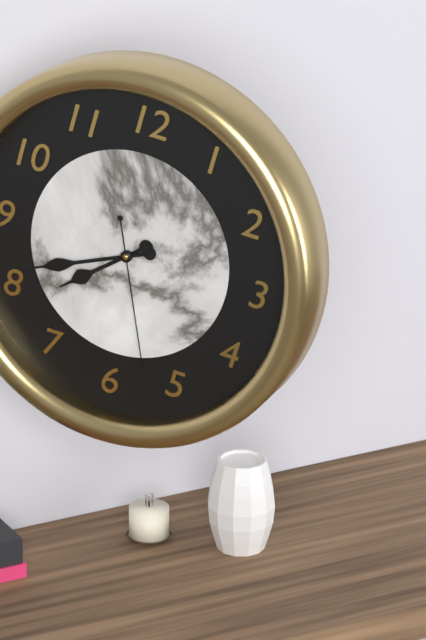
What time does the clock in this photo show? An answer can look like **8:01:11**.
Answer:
**7:41:27**
